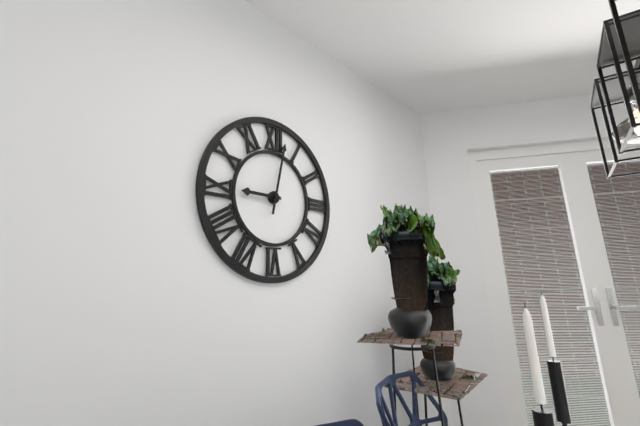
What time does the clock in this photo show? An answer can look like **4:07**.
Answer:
**9:02**
